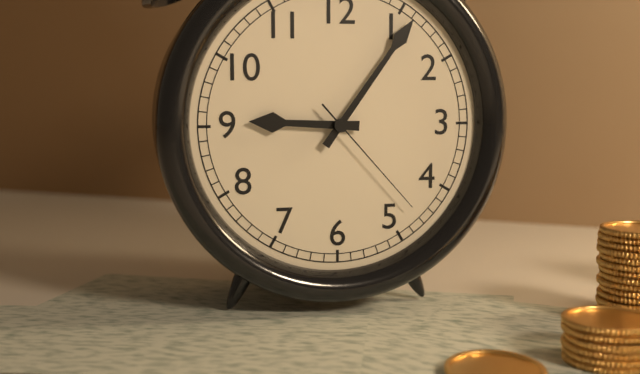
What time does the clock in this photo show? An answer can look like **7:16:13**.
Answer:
**9:06:23**
